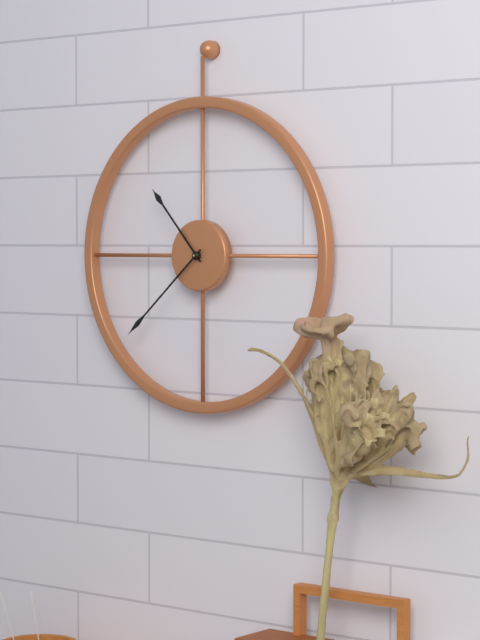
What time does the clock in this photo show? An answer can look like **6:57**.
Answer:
**10:38**
